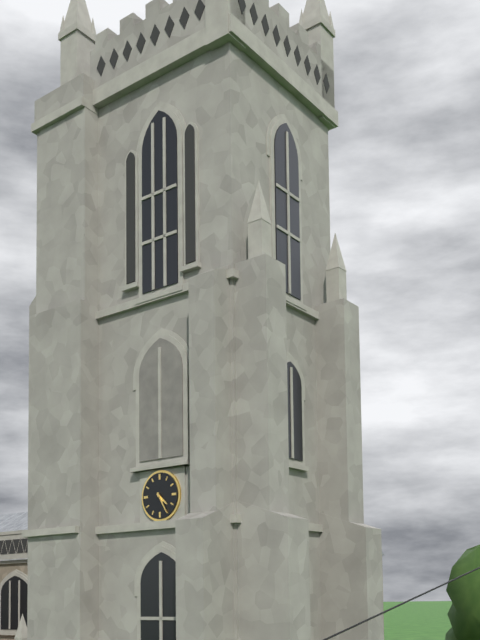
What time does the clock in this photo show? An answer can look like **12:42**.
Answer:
**4:25**
